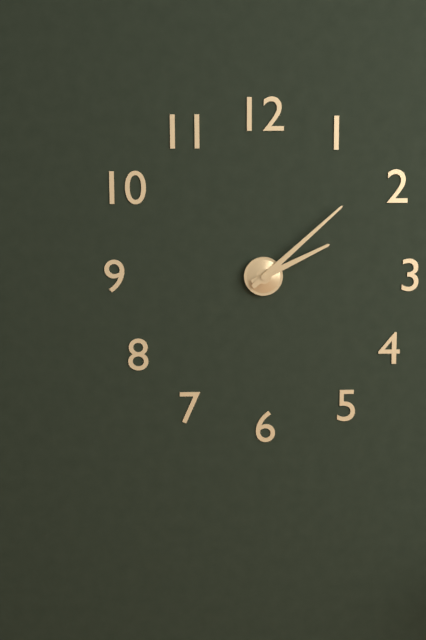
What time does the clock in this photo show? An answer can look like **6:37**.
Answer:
**2:08**
